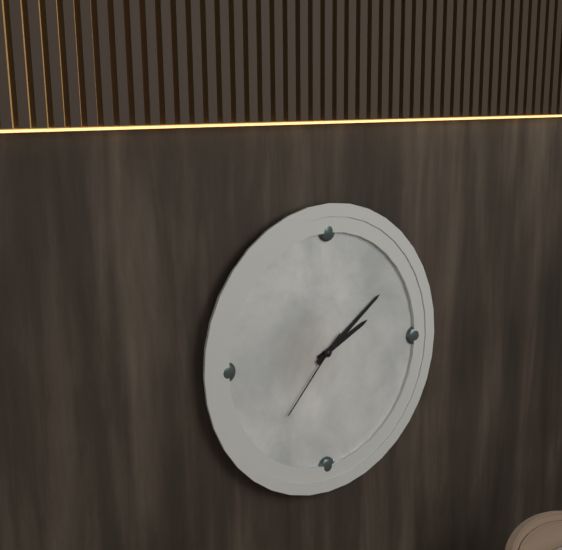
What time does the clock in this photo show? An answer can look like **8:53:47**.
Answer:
**2:09:37**
